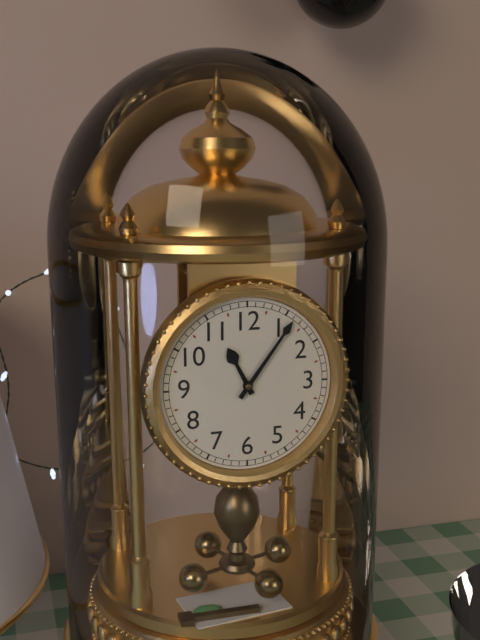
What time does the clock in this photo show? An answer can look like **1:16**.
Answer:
**11:06**
